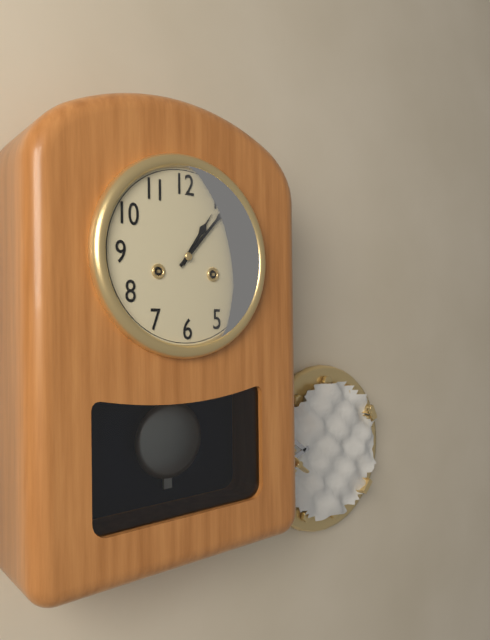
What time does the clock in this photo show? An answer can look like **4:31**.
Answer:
**1:07**
